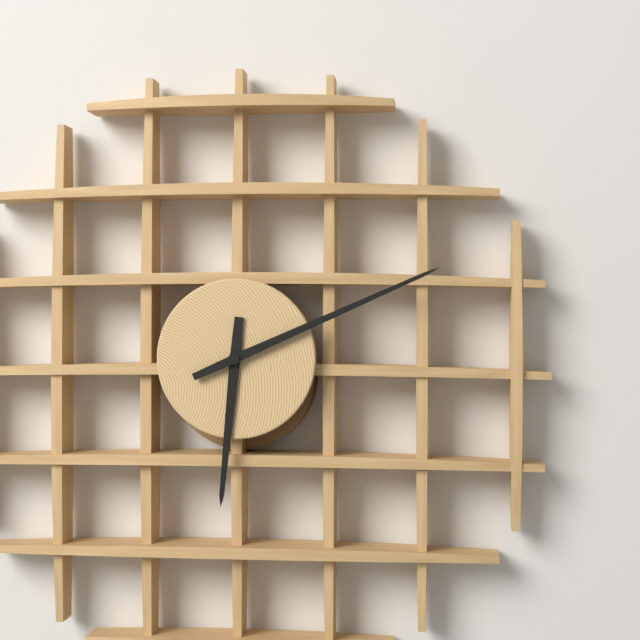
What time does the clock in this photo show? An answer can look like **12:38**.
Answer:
**6:11**
